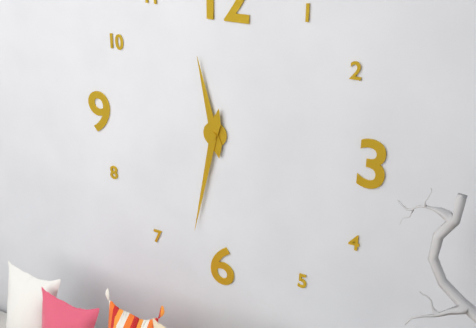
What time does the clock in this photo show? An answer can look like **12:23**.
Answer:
**11:32**
